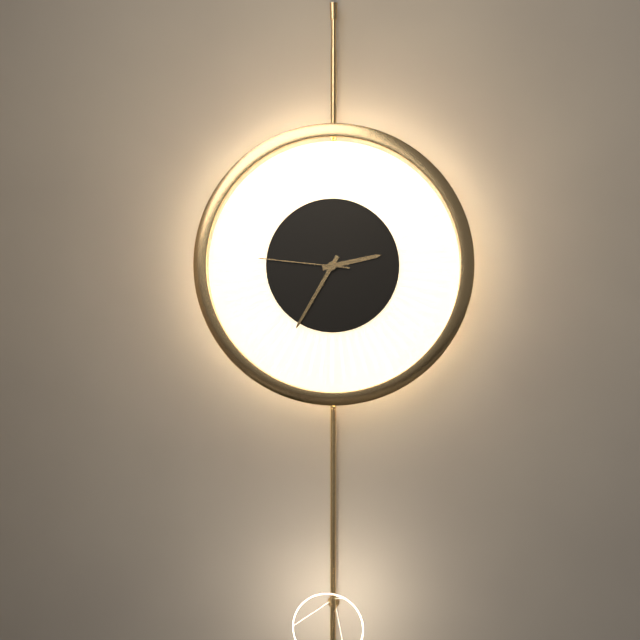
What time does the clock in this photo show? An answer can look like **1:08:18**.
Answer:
**2:35:46**
